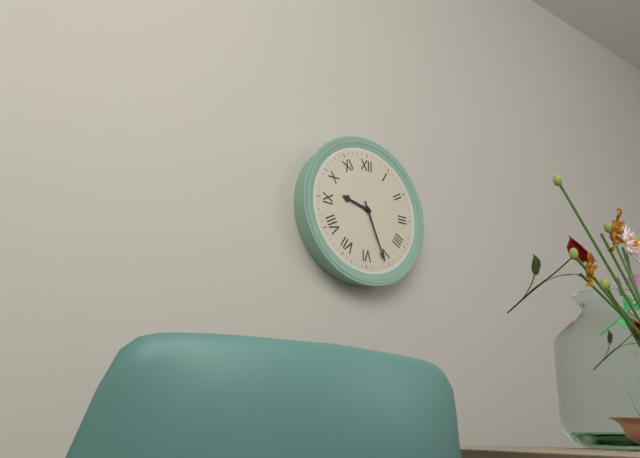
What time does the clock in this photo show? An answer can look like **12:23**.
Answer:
**9:26**
